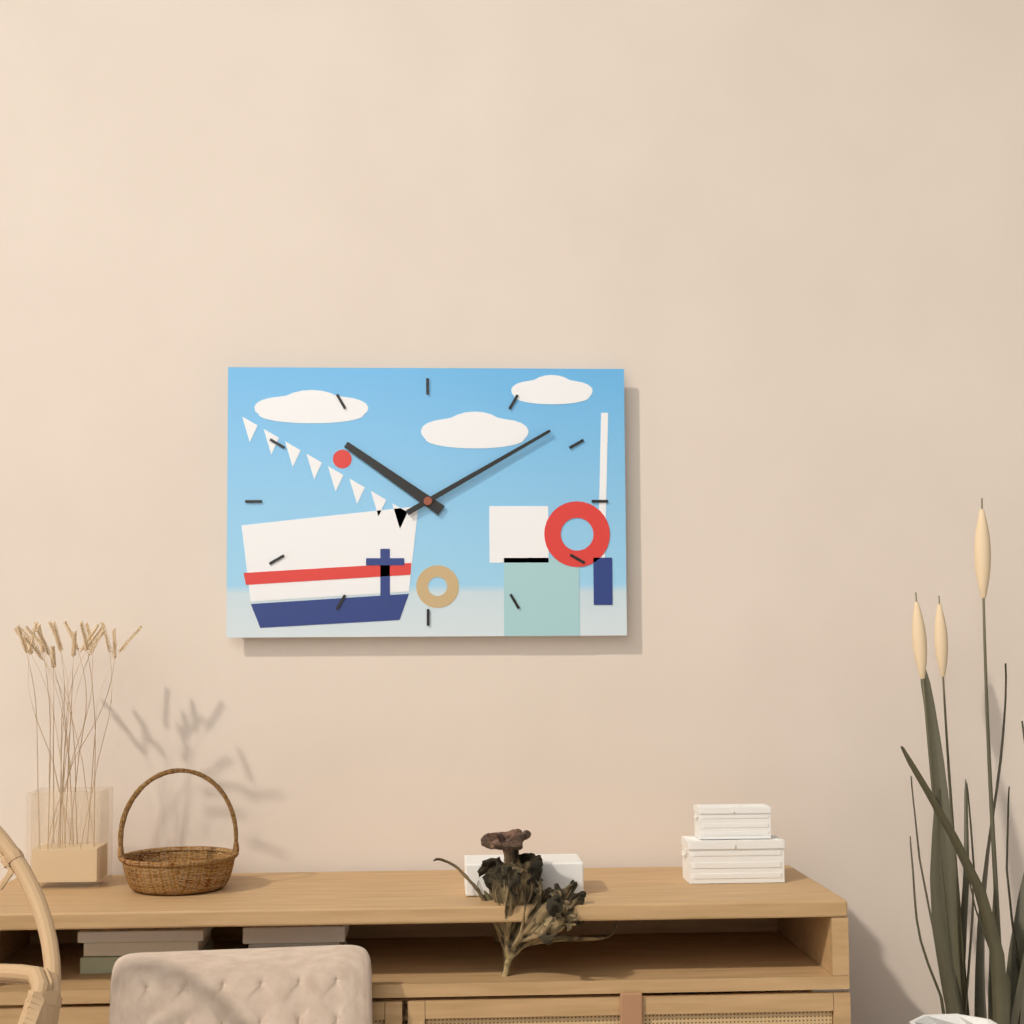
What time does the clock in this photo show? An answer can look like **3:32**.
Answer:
**10:10**
